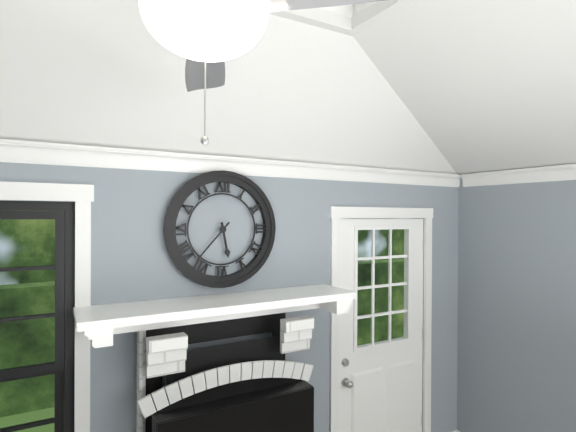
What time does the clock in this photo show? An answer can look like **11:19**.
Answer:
**5:37**
